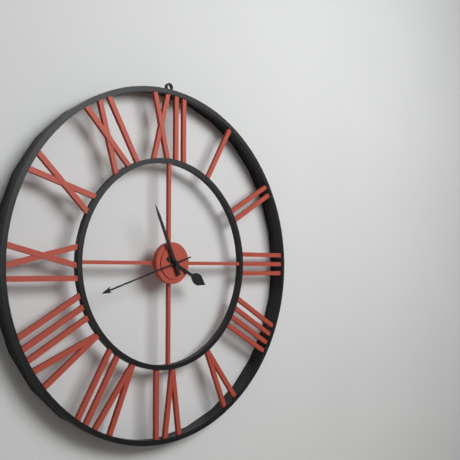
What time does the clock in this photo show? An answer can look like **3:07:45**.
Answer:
**3:56:42**
